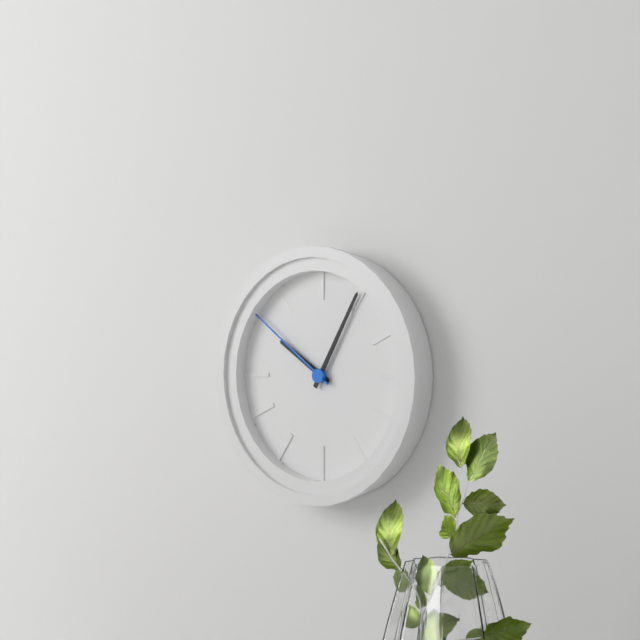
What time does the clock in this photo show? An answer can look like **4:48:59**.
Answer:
**10:05:51**
